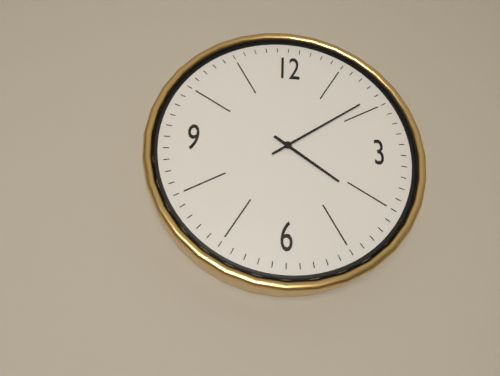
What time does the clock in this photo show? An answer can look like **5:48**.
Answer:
**4:09**
